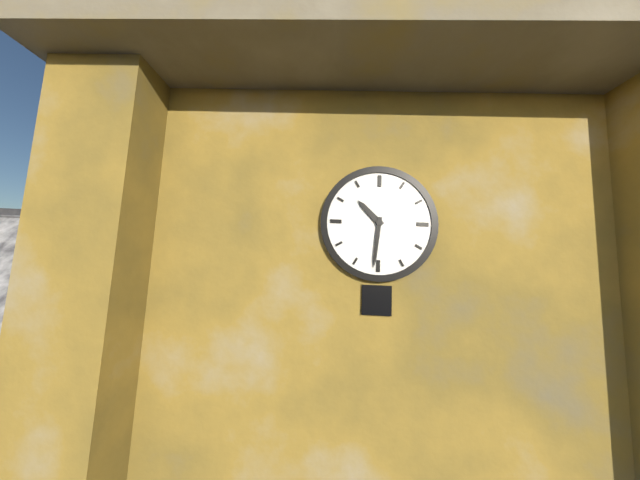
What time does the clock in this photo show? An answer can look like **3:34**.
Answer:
**10:31**
